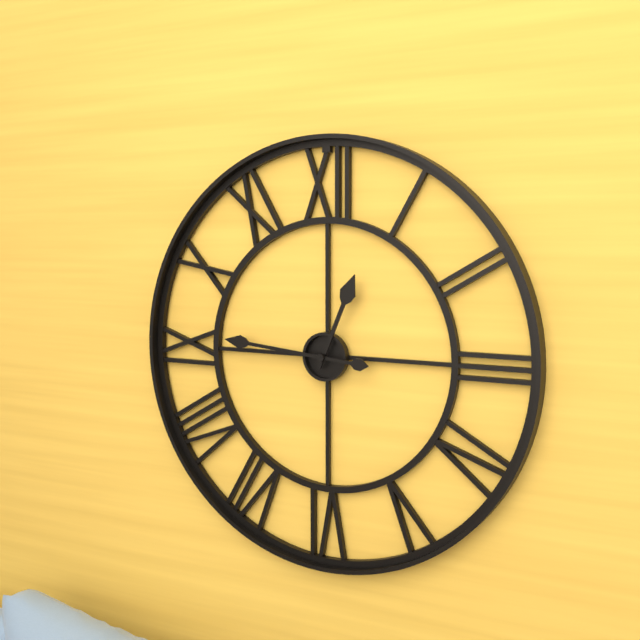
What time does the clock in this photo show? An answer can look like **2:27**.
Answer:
**12:46**
